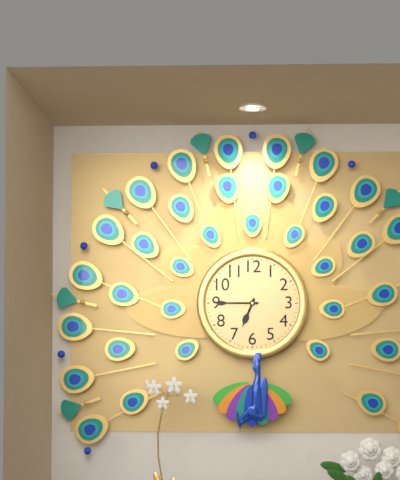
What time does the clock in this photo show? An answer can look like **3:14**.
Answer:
**6:45**
